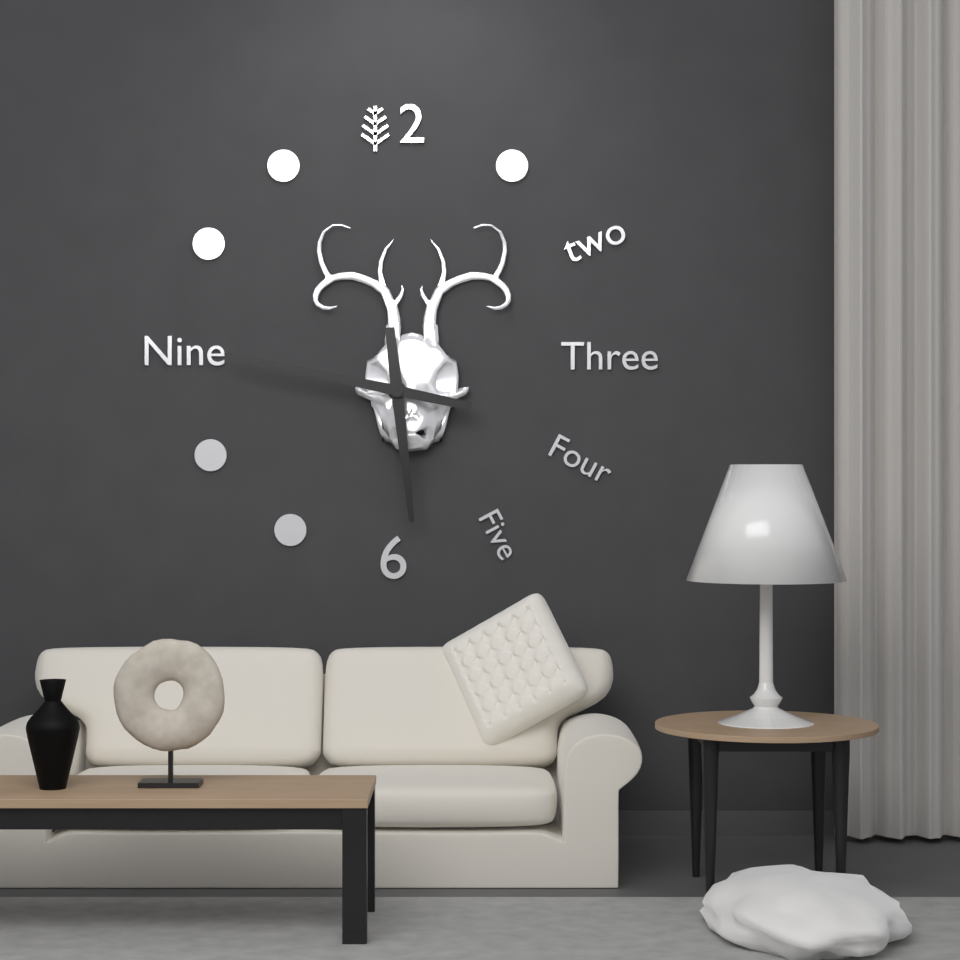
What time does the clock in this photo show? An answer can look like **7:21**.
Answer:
**5:47**
